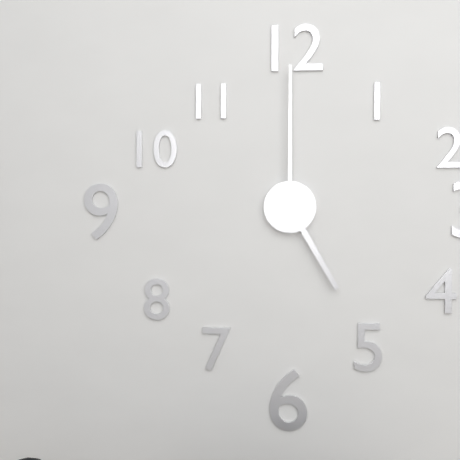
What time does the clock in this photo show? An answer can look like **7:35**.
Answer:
**5:00**
